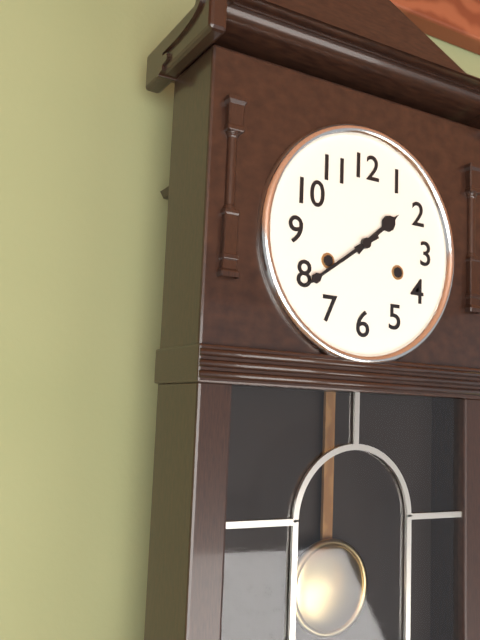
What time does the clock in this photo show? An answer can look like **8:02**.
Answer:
**1:39**
